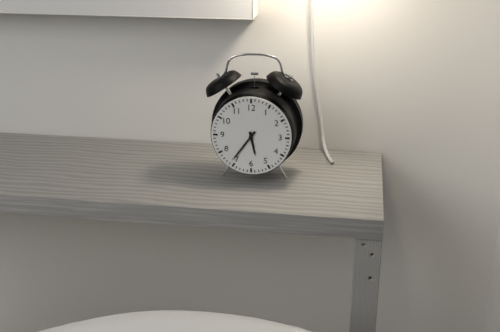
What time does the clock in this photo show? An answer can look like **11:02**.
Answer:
**5:36**
